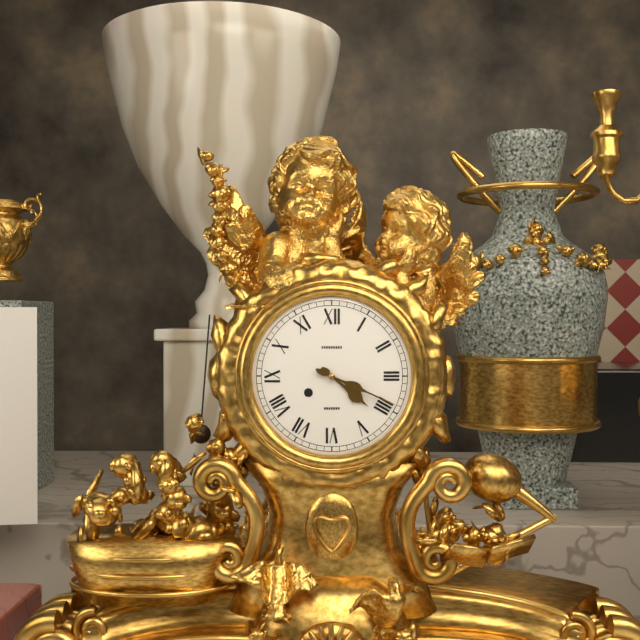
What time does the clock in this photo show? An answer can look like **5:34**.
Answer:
**4:19**
